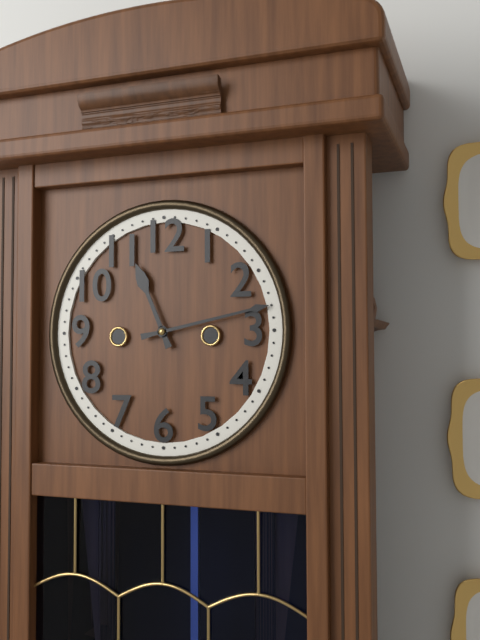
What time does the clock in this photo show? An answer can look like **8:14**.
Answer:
**11:13**
